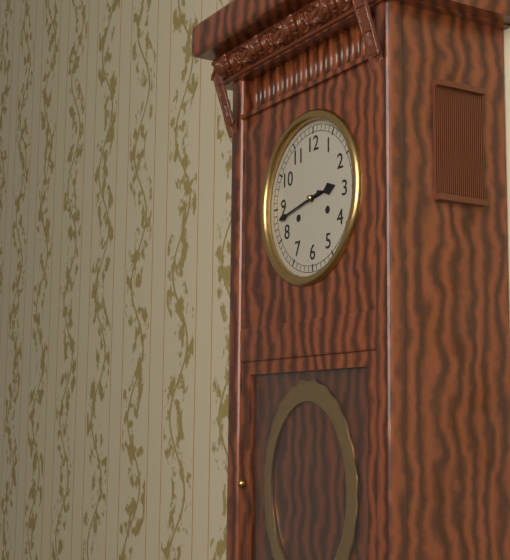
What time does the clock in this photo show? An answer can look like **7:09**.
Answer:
**2:43**
